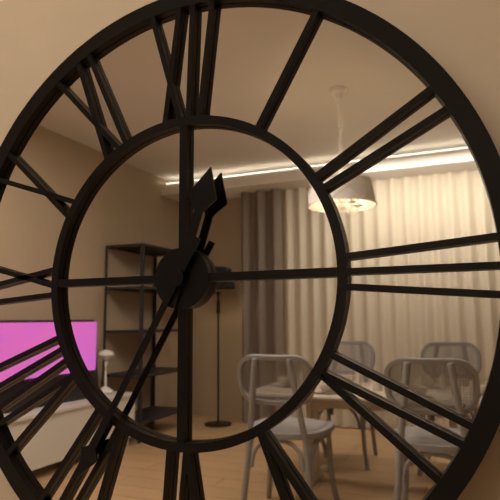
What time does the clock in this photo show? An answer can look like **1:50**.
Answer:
**12:35**
